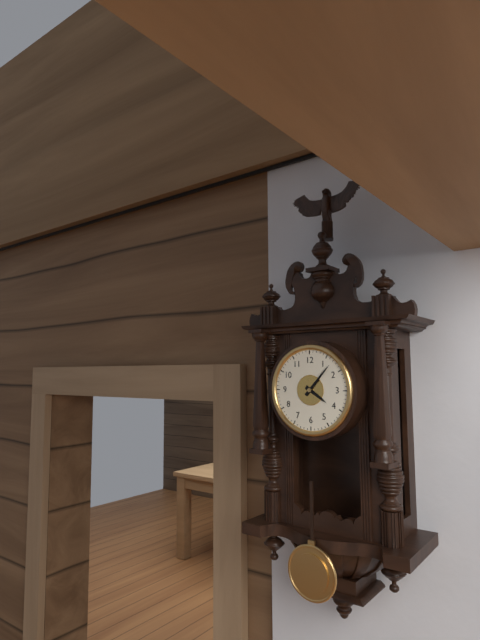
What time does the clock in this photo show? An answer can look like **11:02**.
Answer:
**4:07**
